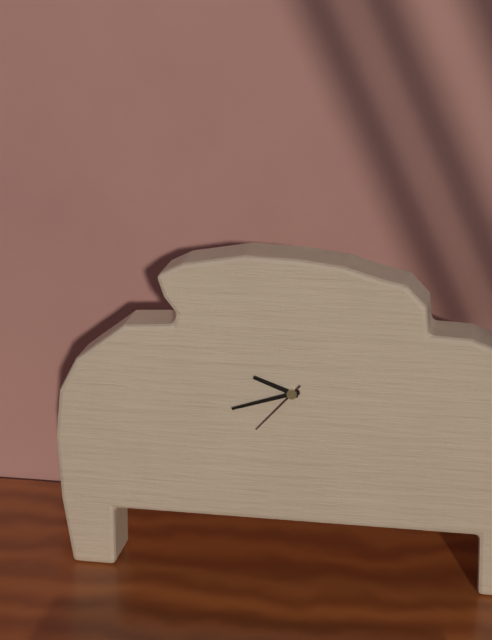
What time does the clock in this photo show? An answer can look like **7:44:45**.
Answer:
**9:42:37**
